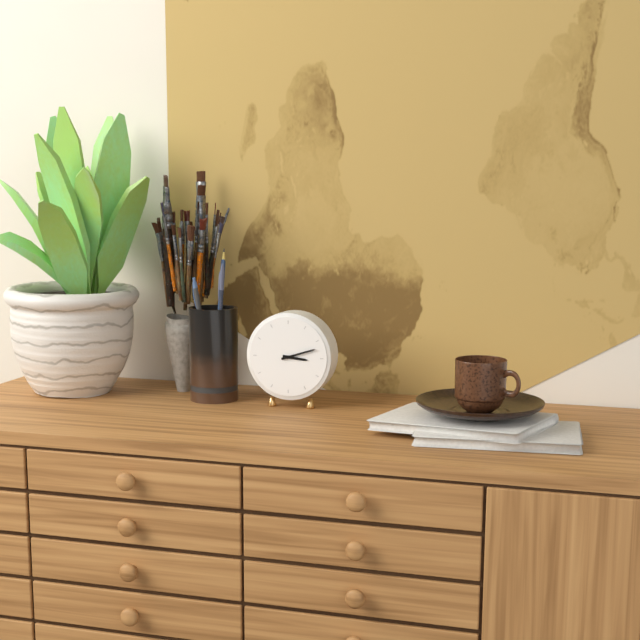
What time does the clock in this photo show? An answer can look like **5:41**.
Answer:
**3:12**
